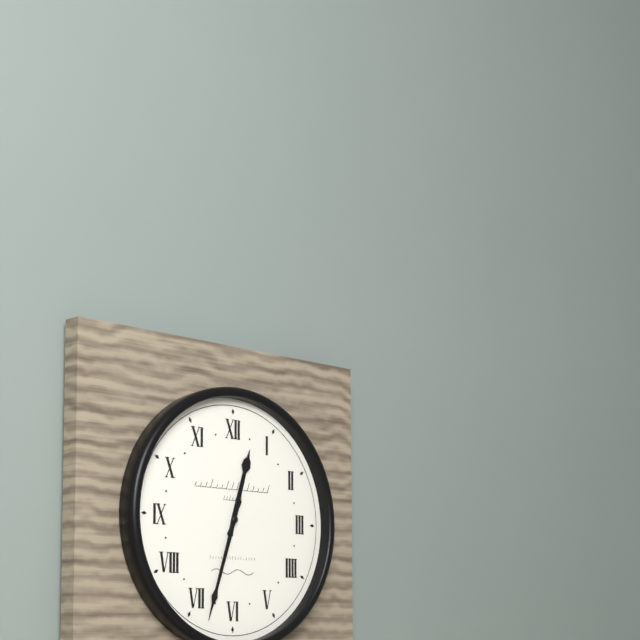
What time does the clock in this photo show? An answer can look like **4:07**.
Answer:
**12:33**
